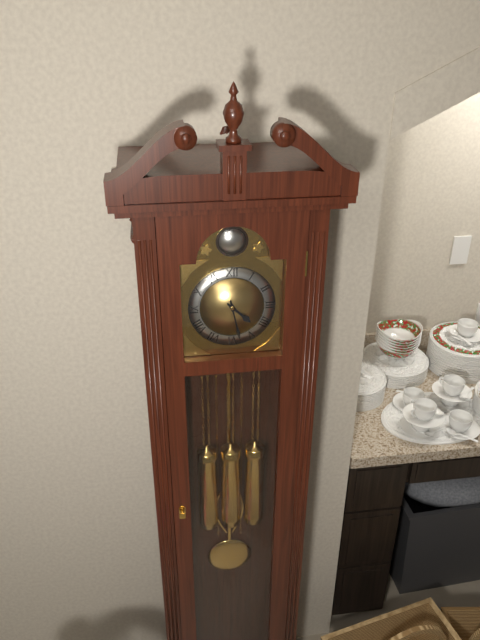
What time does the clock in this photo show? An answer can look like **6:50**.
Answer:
**4:28**
